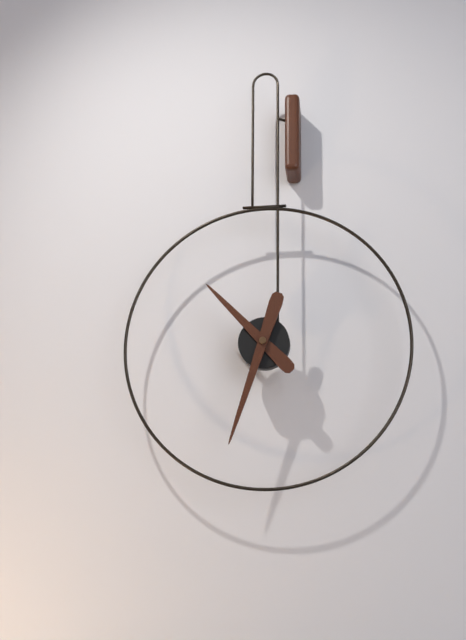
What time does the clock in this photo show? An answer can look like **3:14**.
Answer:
**10:33**
